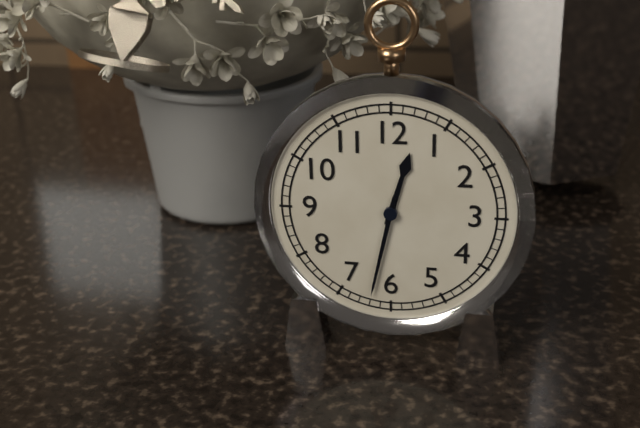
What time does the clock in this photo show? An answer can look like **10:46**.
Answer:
**12:32**
